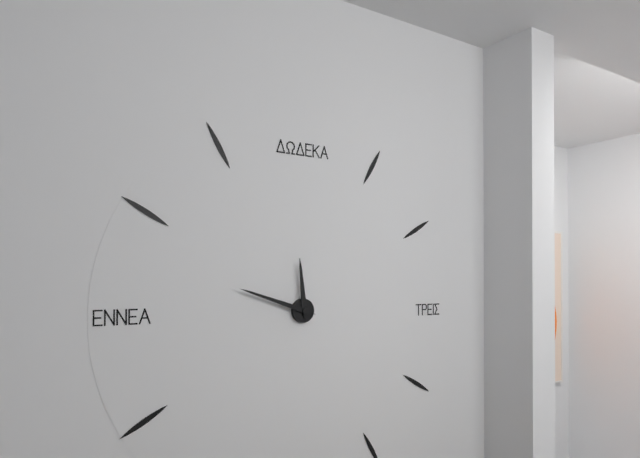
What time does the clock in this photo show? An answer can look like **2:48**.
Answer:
**11:48**
